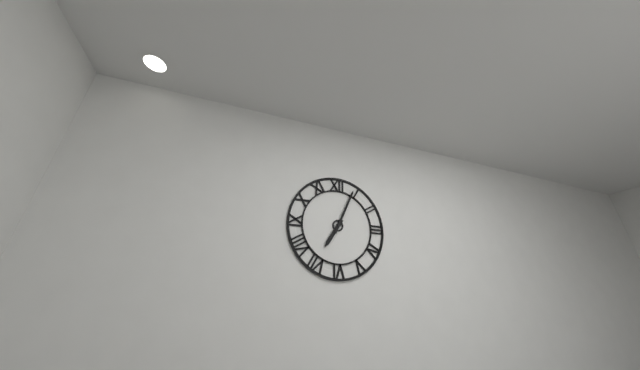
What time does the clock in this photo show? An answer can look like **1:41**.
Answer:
**7:04**
